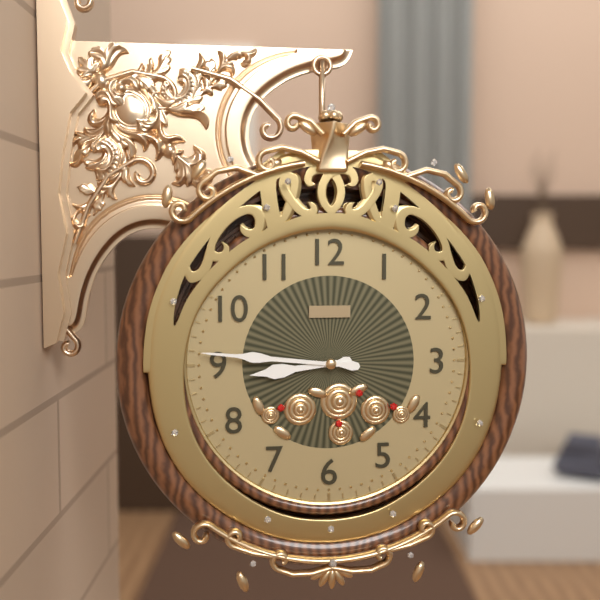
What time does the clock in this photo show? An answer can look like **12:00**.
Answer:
**8:46**
